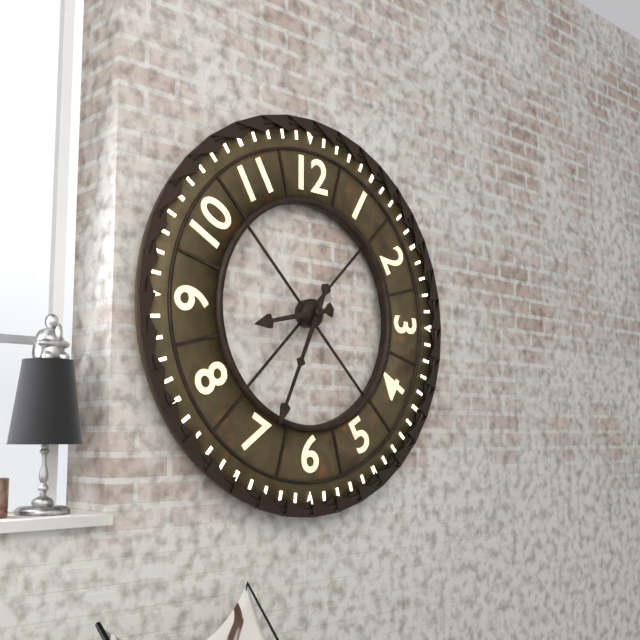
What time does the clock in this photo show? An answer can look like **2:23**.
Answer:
**8:34**
